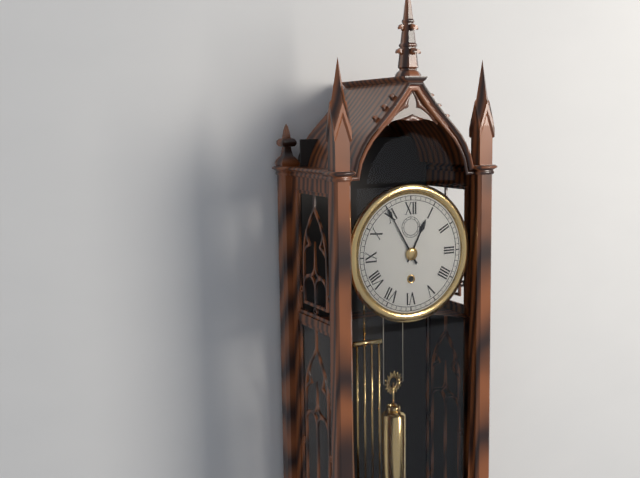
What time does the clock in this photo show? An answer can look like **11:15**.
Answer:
**12:55**
